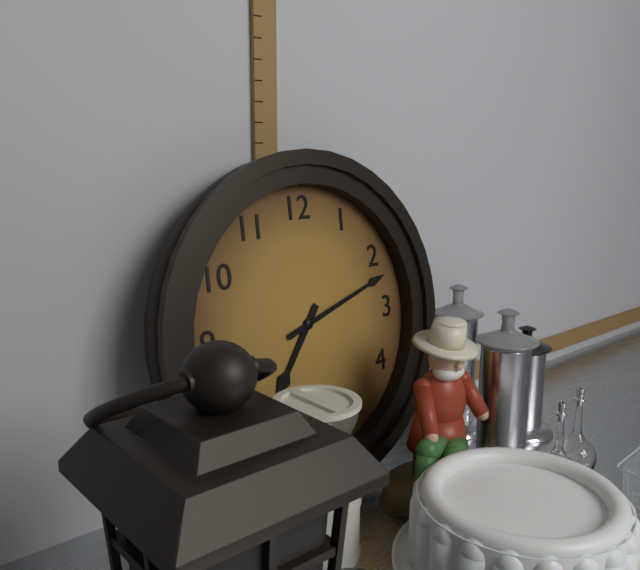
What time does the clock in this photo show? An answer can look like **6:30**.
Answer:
**7:12**
